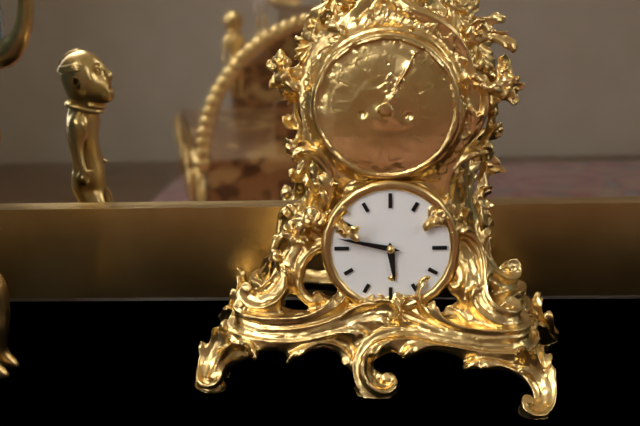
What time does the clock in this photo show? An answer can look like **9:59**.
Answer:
**5:47**
